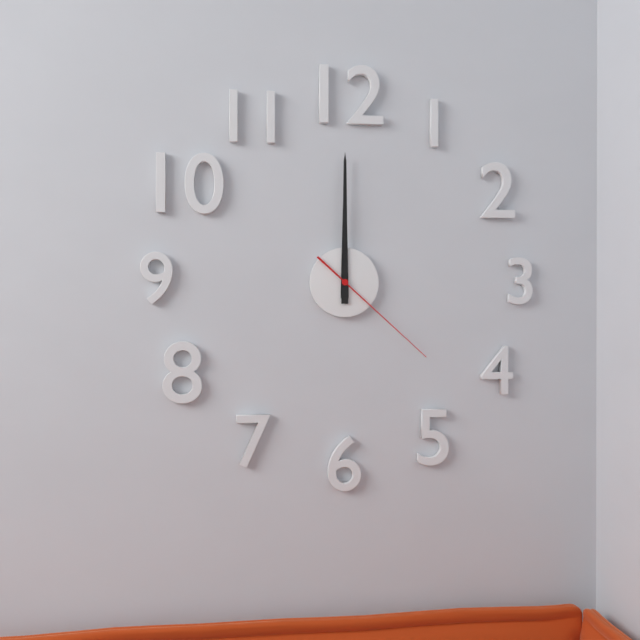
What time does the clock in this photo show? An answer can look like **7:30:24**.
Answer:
**12:00:22**
